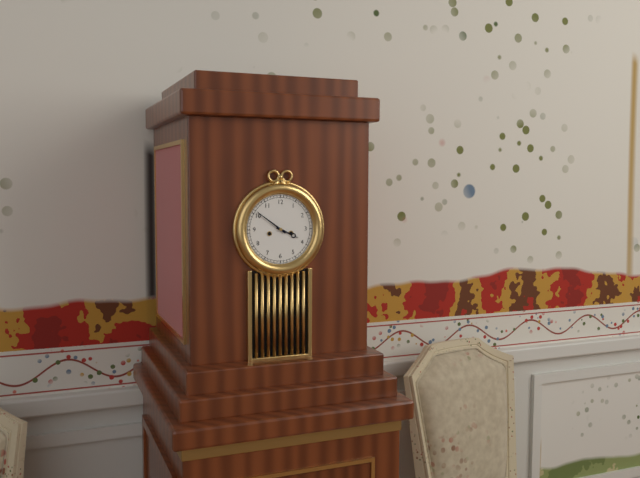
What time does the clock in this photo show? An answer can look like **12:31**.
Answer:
**3:51**
